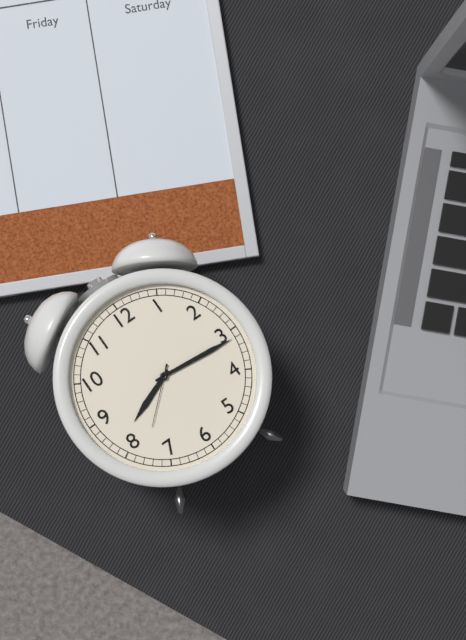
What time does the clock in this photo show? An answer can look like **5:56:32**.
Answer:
**8:16:38**
